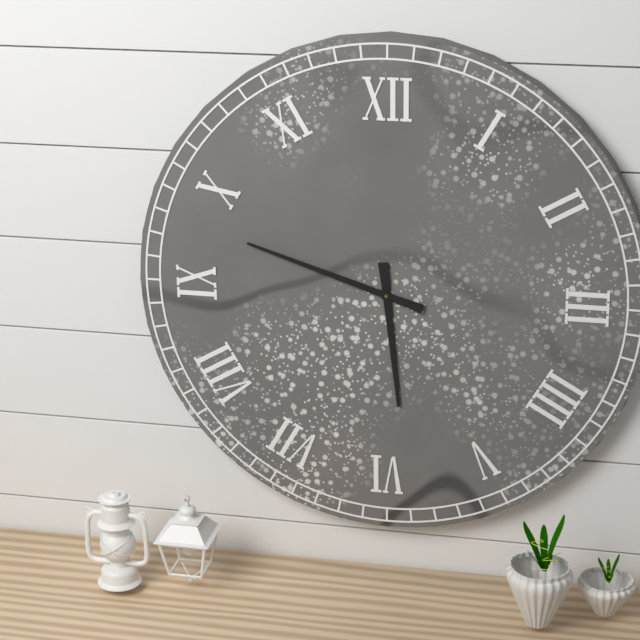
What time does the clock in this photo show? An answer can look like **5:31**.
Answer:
**5:48**
